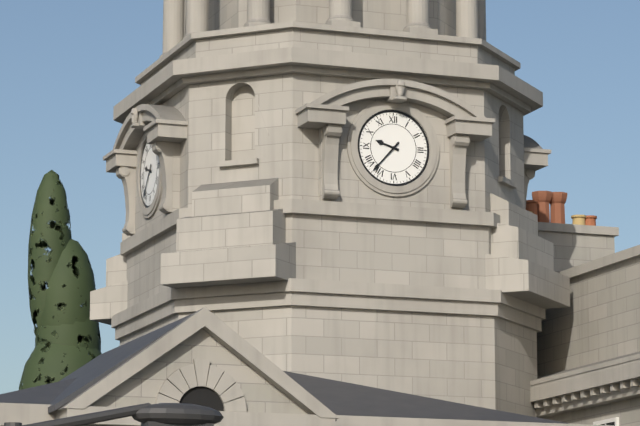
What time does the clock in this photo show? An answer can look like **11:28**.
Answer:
**9:37**
